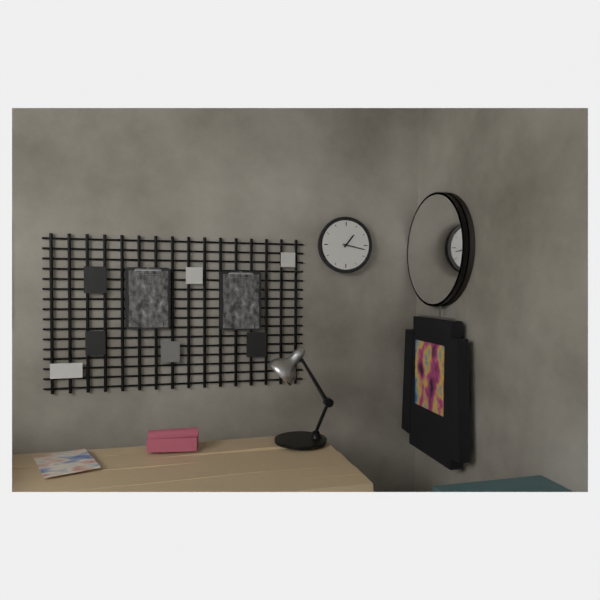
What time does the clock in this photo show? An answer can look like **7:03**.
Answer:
**1:17**
